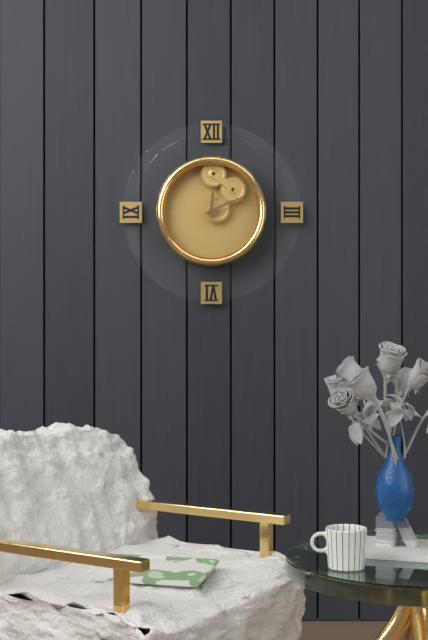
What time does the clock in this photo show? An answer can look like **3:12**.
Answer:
**12:11**
